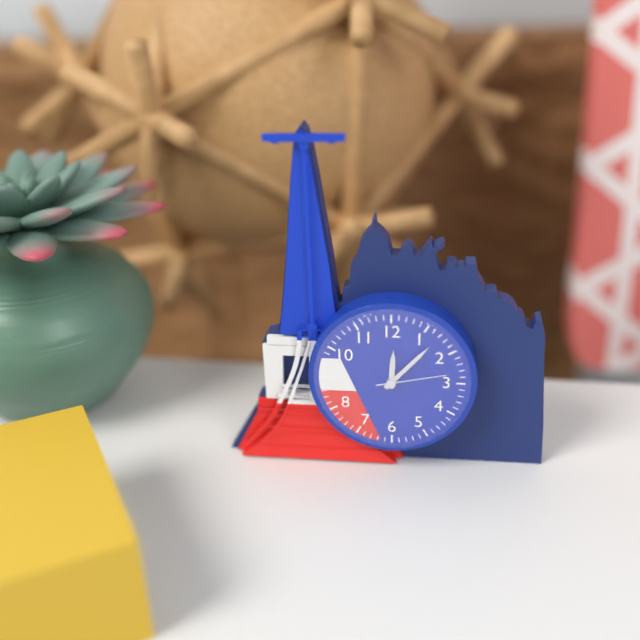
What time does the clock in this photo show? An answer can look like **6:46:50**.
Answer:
**12:07:13**
